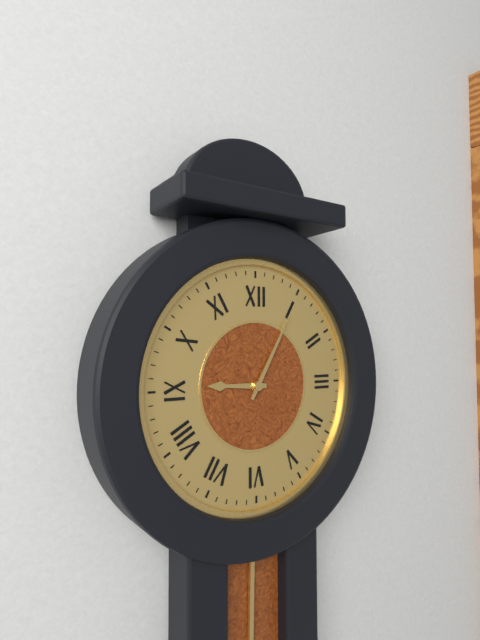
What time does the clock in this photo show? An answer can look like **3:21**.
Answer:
**9:05**
